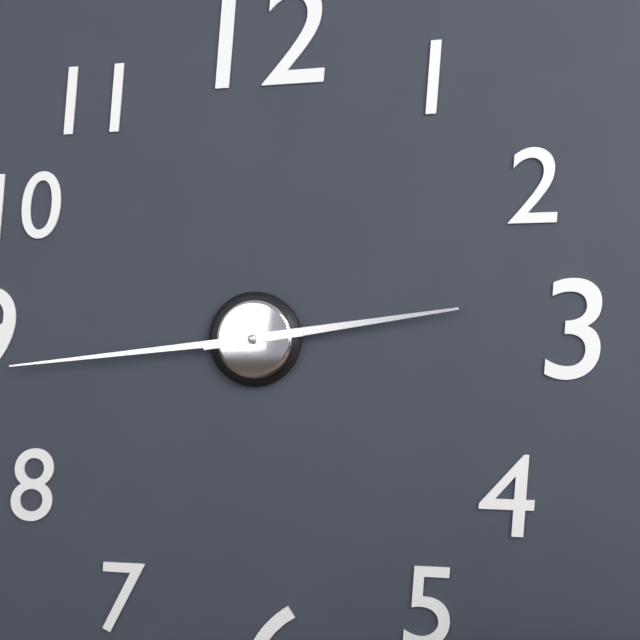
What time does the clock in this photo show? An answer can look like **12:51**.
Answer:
**2:44**
